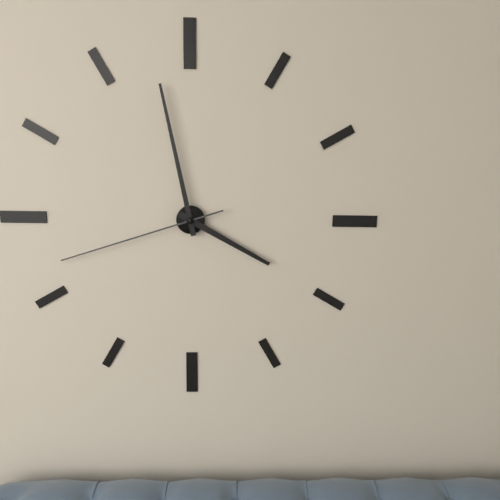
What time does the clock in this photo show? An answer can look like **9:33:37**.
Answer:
**3:58:42**
